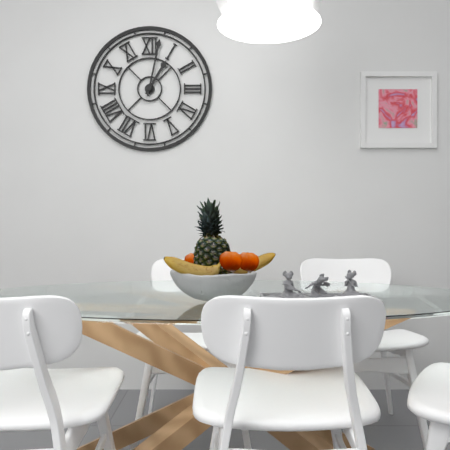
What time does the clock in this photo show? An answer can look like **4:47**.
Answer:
**1:02**
